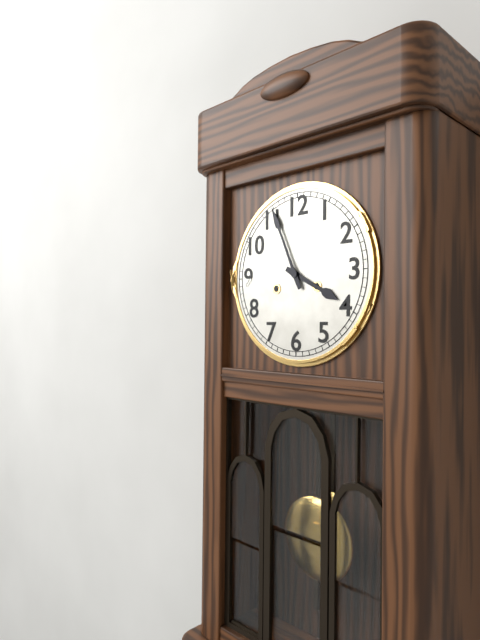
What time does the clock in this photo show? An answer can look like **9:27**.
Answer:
**3:56**
